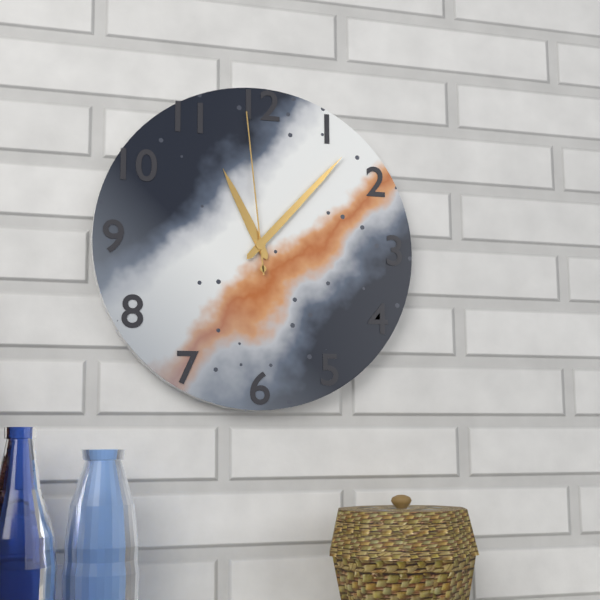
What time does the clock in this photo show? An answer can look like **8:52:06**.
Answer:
**11:07:59**
